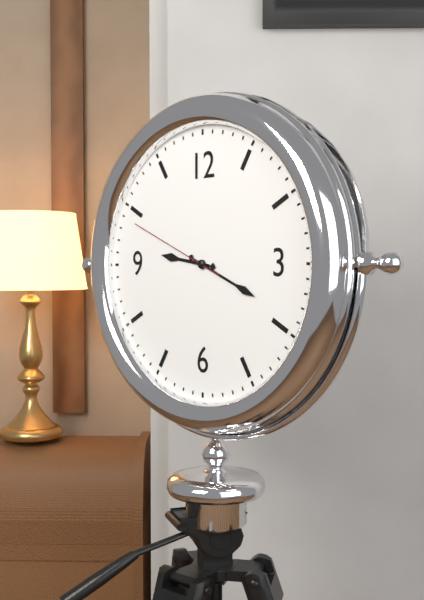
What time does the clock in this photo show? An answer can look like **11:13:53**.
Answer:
**9:19:49**
